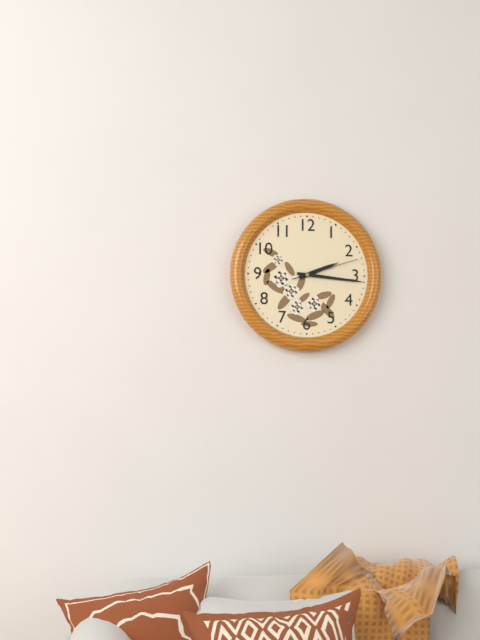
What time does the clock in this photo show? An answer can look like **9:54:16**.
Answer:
**2:16:12**
